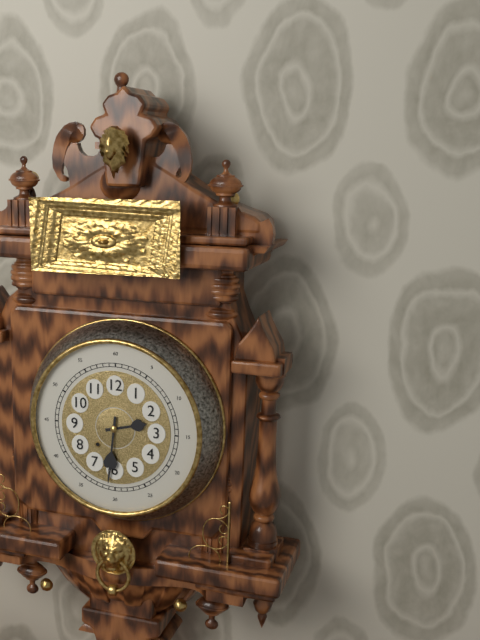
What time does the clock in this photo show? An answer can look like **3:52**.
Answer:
**2:31**
